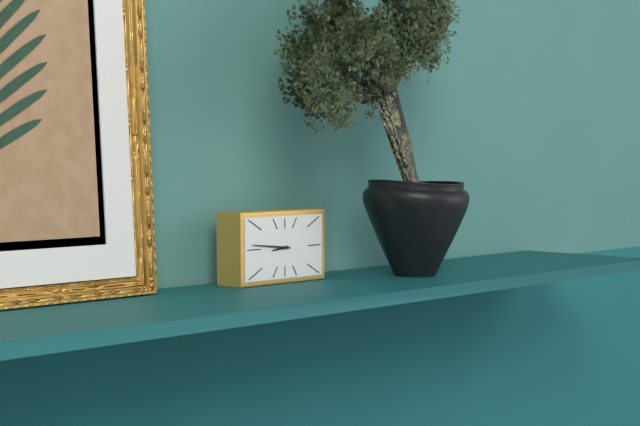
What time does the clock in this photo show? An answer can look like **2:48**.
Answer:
**8:46**
